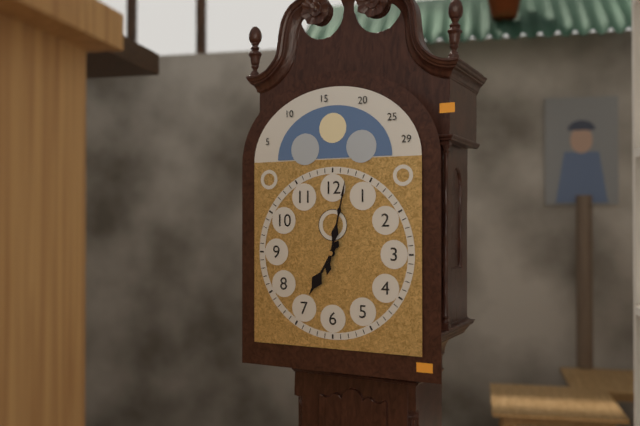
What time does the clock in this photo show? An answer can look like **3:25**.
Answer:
**7:02**
